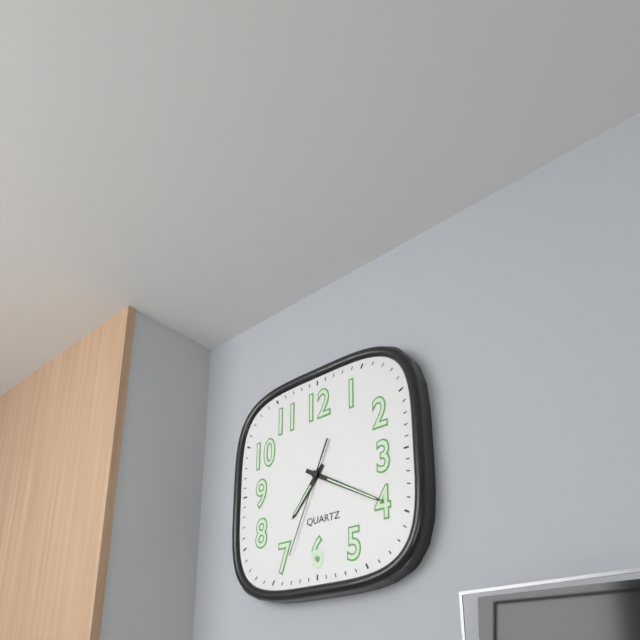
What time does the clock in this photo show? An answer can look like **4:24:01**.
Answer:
**7:20:34**
